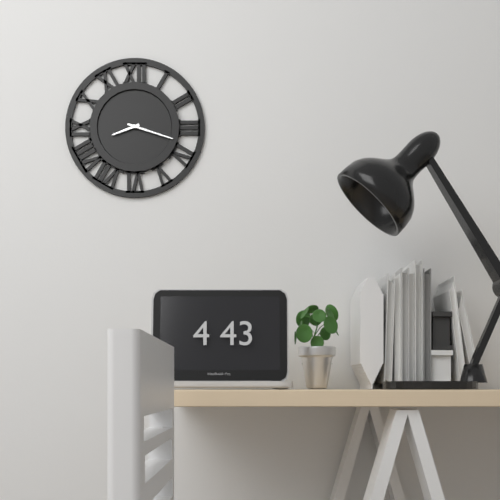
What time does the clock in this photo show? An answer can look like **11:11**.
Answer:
**8:18**
